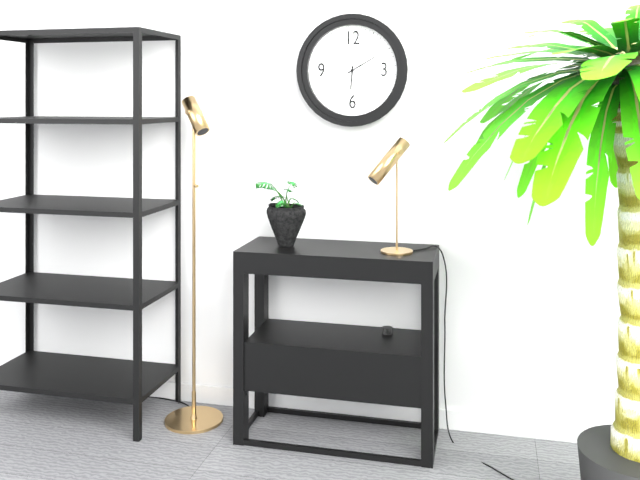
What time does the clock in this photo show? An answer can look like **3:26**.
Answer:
**6:10**
